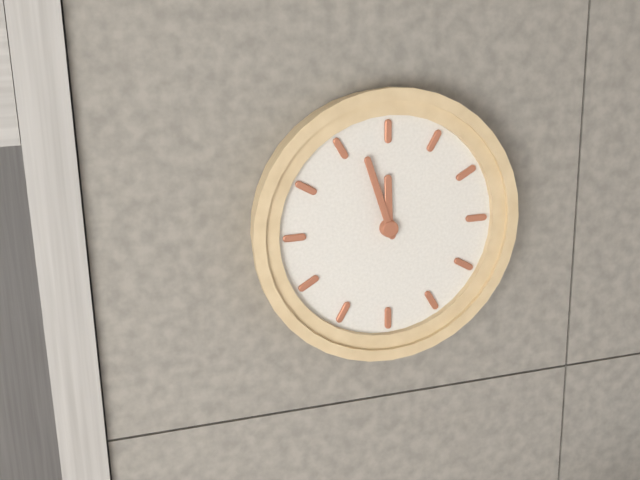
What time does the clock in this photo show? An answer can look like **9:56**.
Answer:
**11:57**
